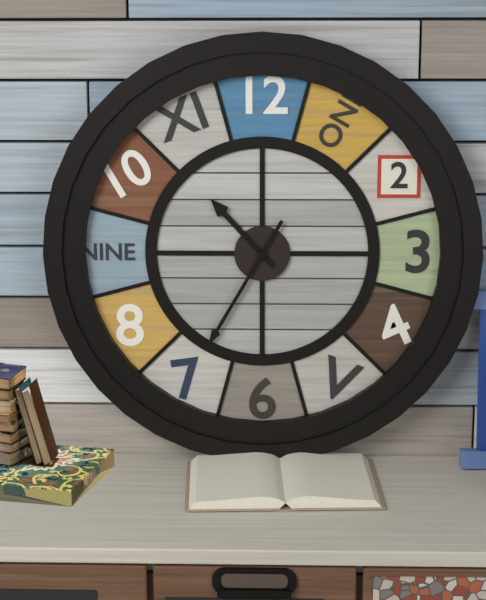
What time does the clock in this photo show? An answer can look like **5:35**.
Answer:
**10:35**
